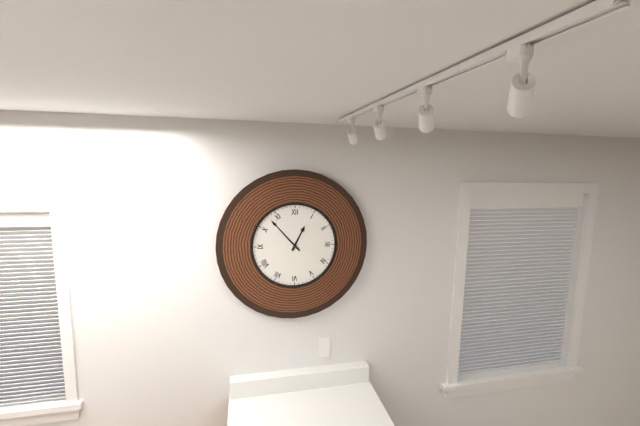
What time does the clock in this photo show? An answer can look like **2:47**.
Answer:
**12:53**
